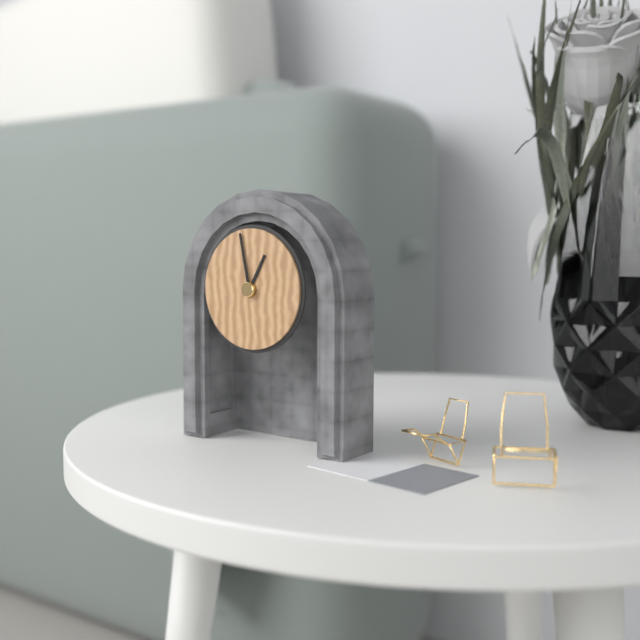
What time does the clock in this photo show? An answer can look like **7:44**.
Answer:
**12:58**
